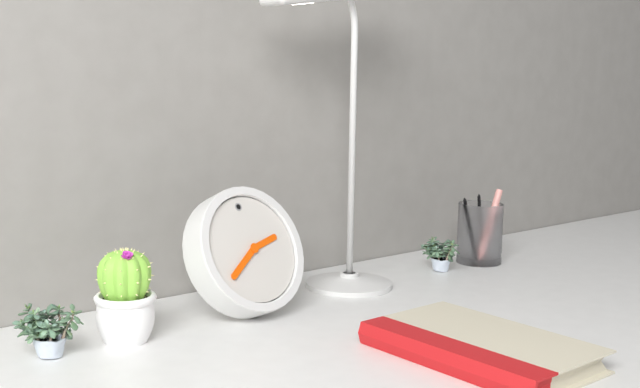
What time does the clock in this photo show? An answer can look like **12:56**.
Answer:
**2:40**
